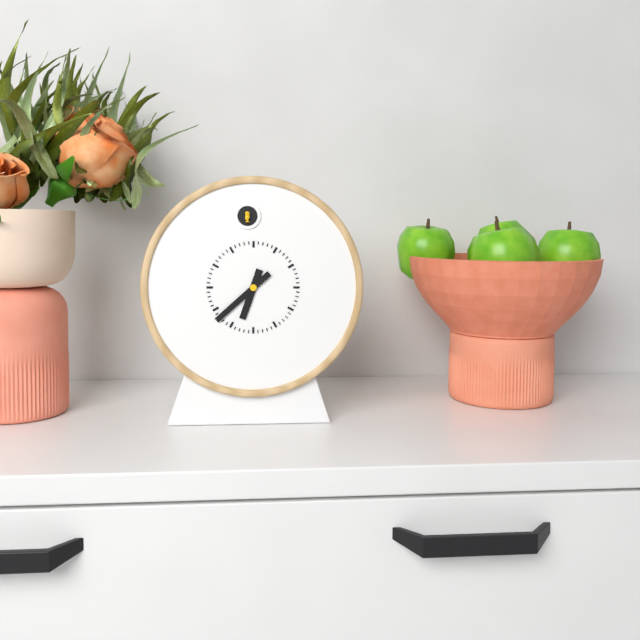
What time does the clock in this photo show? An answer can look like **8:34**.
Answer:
**6:38**
